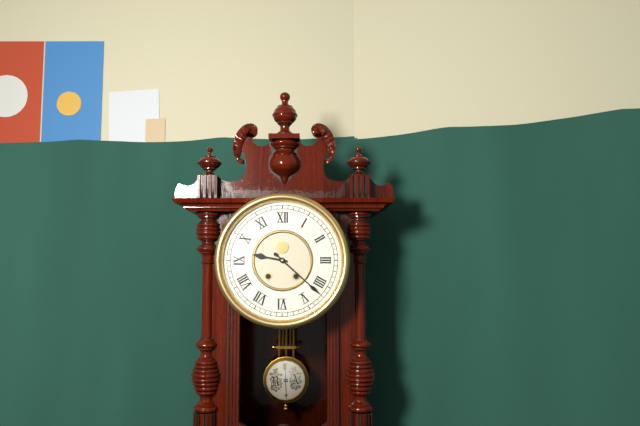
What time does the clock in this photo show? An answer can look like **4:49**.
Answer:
**9:22**
